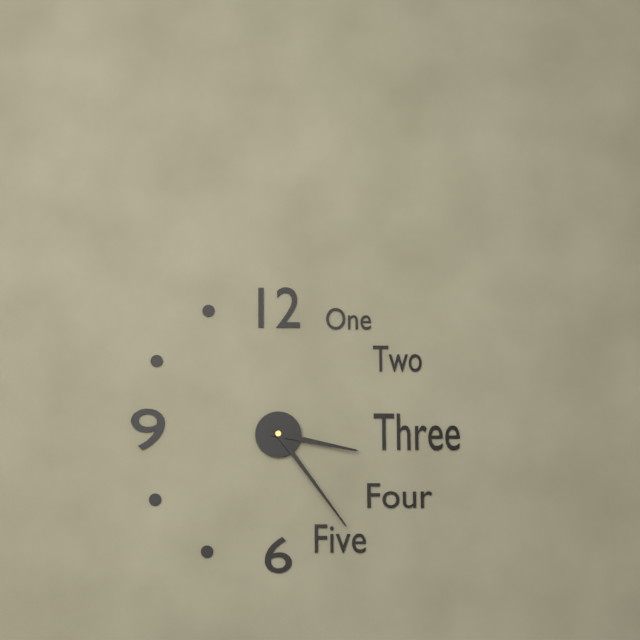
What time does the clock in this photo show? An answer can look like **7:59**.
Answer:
**3:24**
